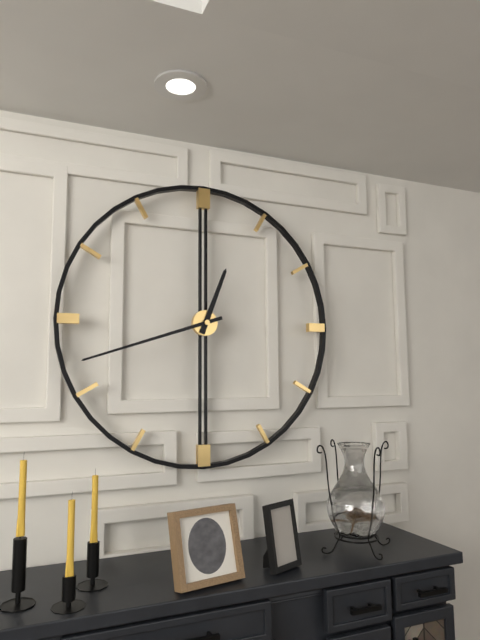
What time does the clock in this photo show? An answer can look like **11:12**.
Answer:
**12:42**
